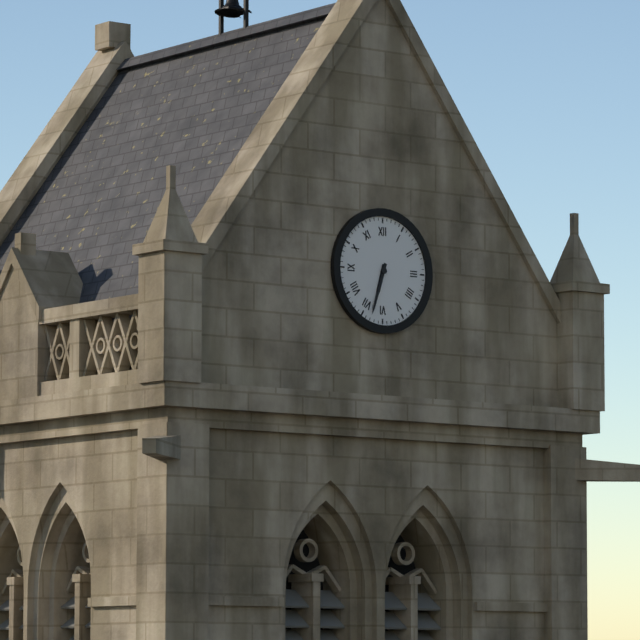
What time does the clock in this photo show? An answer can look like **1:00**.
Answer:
**6:33**
